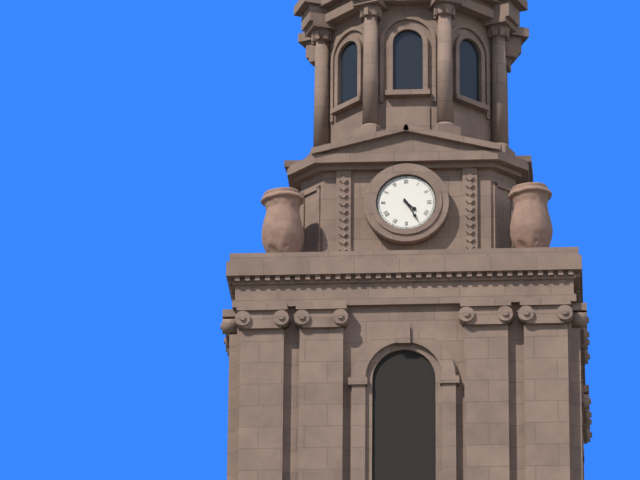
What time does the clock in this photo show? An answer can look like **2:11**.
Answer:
**4:25**
